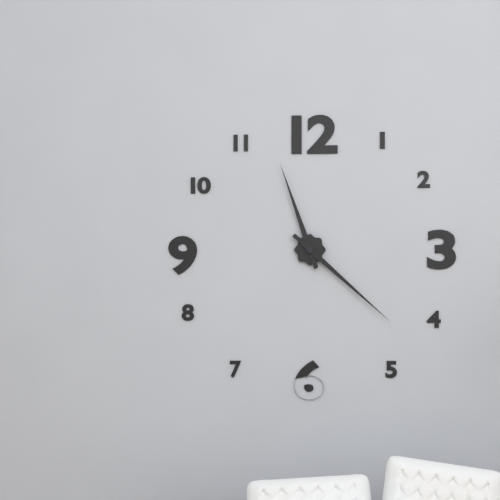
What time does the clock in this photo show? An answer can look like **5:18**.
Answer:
**11:22**
